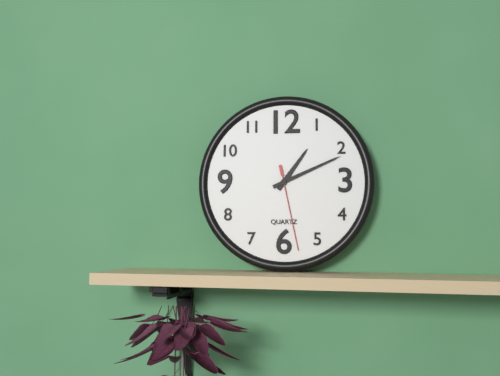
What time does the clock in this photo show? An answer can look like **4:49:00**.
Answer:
**1:11:28**
